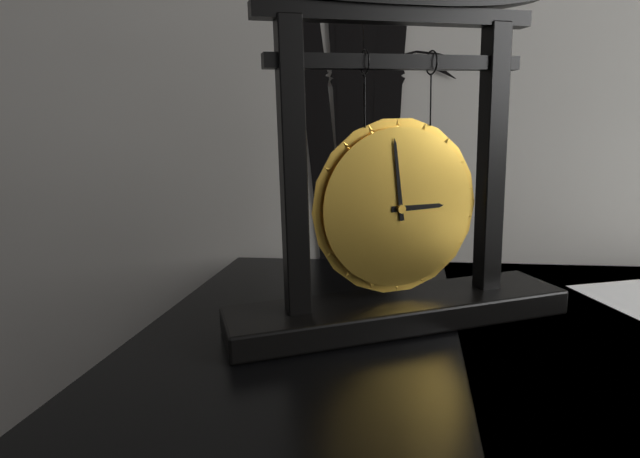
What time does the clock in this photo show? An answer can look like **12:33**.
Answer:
**2:59**
